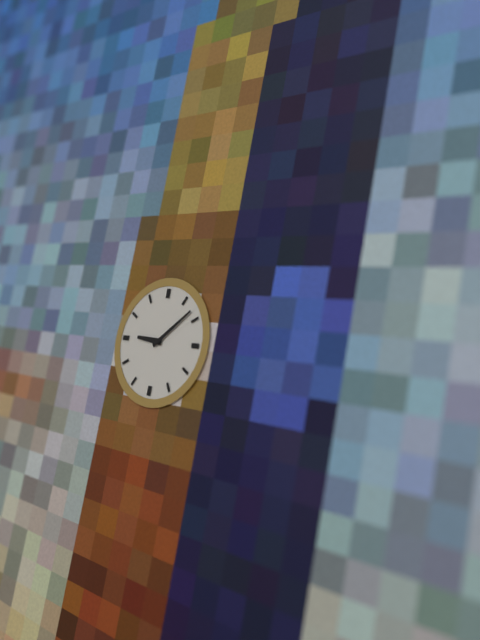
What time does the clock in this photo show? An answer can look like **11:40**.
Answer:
**9:08**
